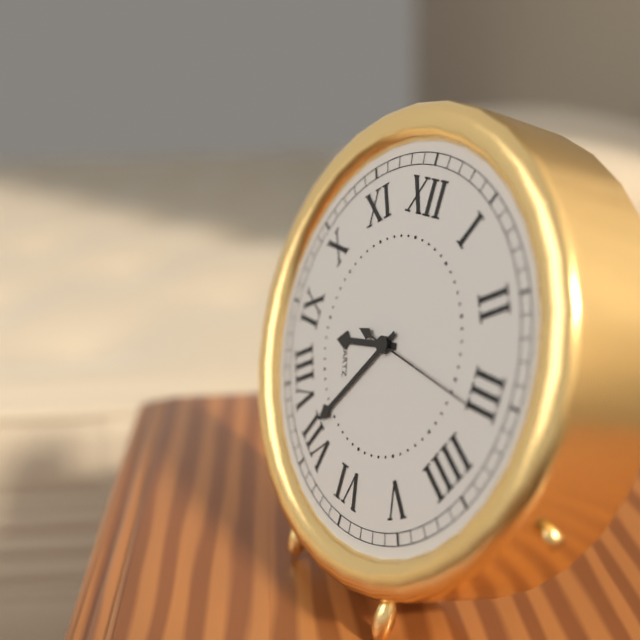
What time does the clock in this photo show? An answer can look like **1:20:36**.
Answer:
**8:36:16**
